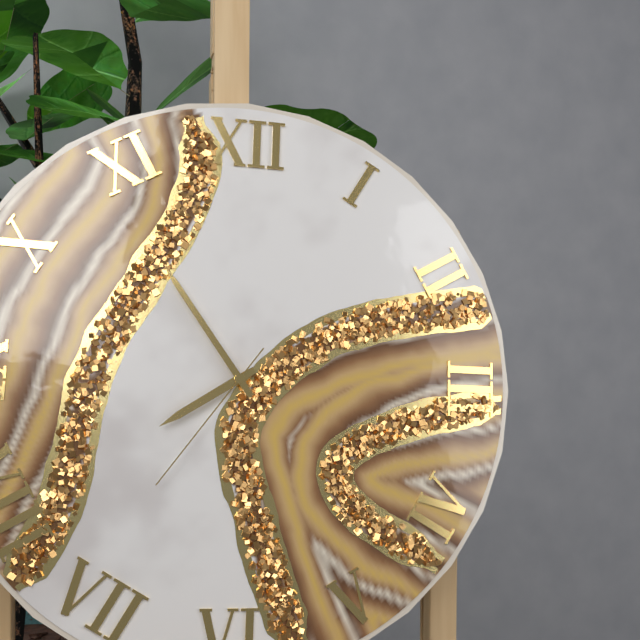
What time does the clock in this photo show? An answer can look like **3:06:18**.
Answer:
**7:54:36**
